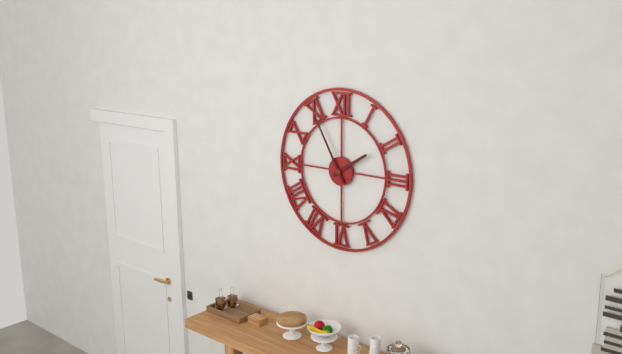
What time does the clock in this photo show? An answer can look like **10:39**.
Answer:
**1:55**
